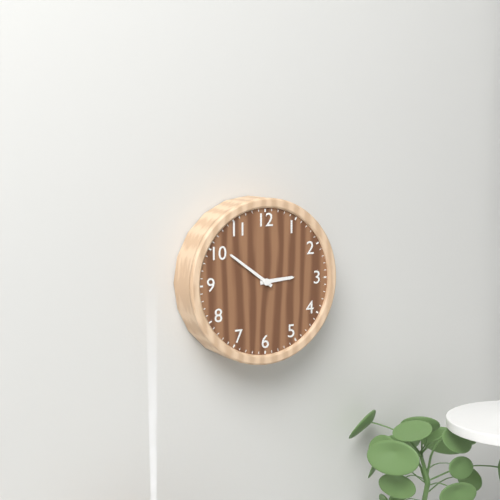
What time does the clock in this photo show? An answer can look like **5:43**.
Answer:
**2:51**
